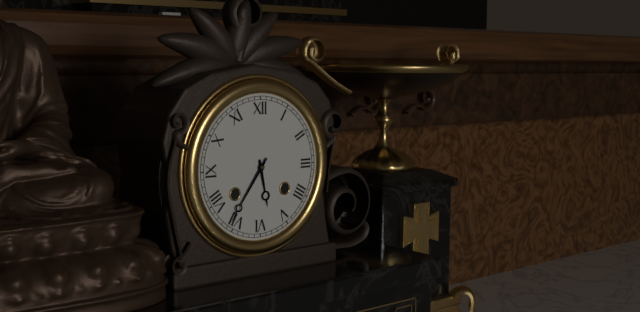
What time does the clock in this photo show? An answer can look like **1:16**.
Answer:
**5:36**
